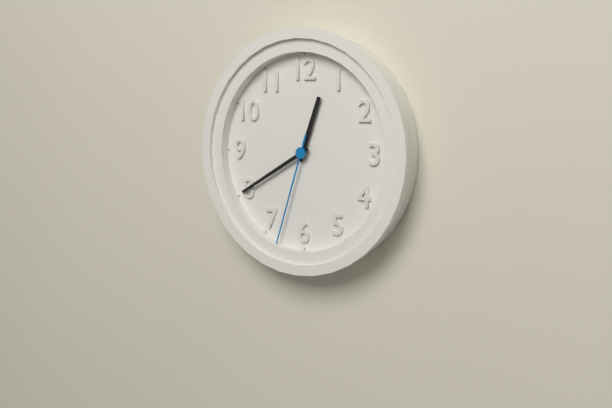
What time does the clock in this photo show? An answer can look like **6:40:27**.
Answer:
**12:40:33**
